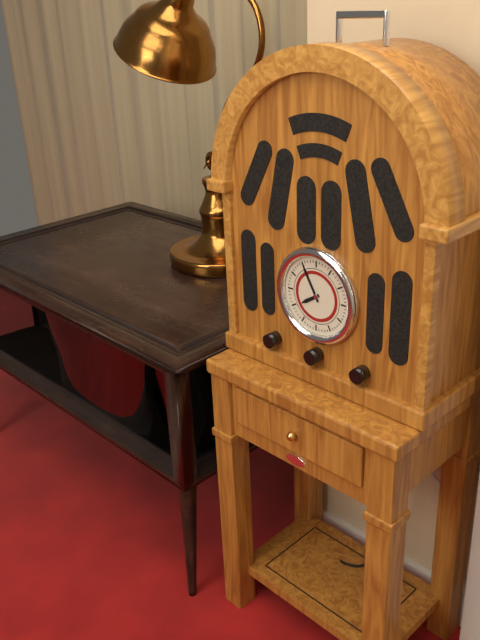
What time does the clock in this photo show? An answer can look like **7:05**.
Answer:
**7:55**
